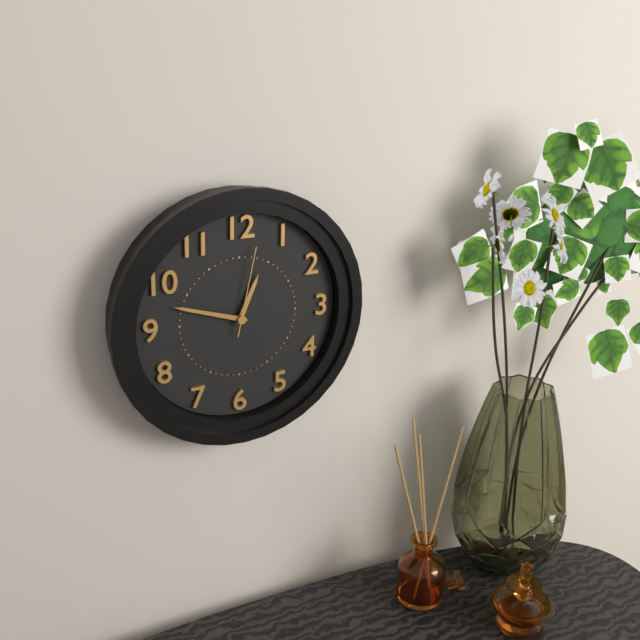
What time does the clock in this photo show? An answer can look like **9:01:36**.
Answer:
**12:48:02**
